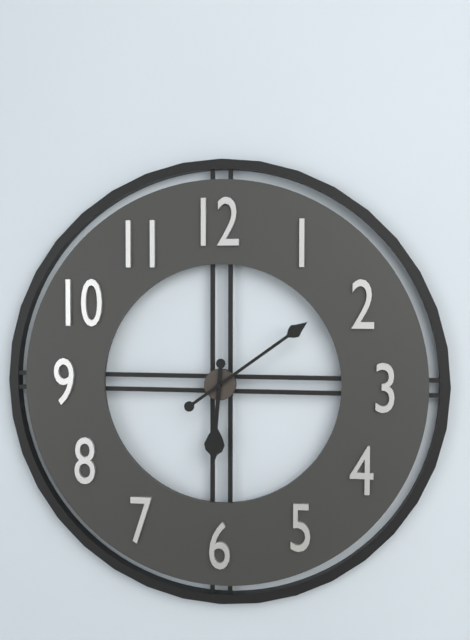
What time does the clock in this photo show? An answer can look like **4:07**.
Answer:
**6:09**
